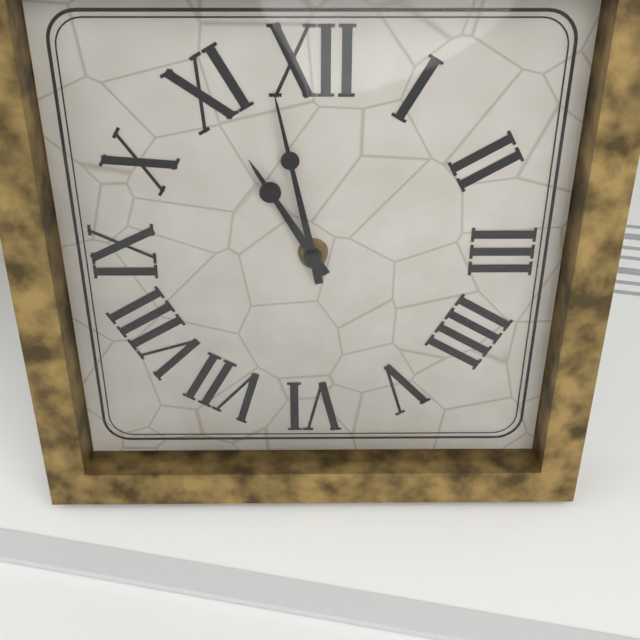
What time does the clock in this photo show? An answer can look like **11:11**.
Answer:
**10:58**
